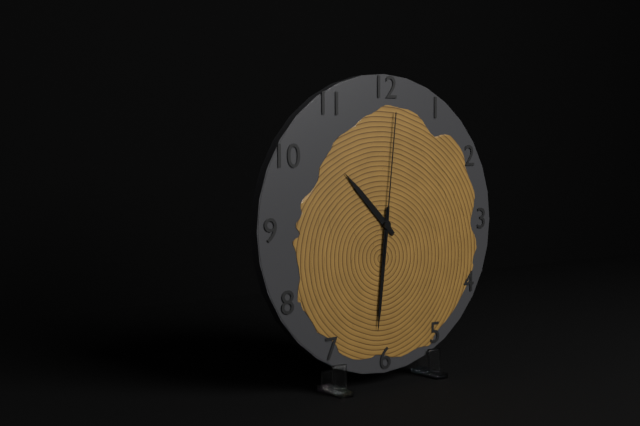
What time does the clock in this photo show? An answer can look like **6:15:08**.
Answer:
**10:31:01**
